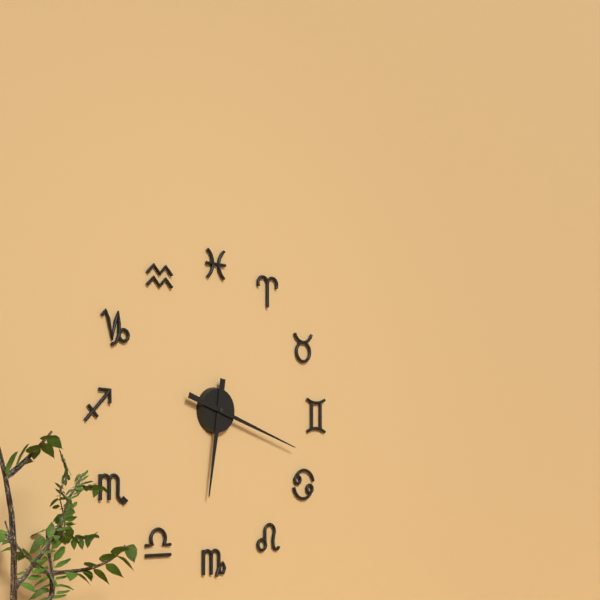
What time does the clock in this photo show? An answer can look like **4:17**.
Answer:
**6:18**
